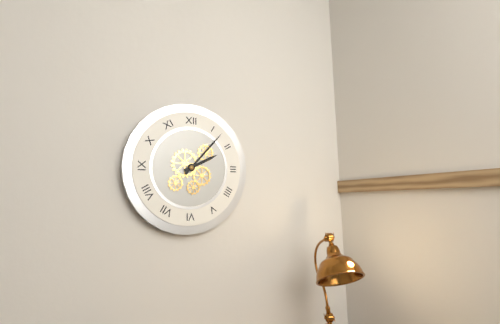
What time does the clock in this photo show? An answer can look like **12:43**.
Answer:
**2:07**
